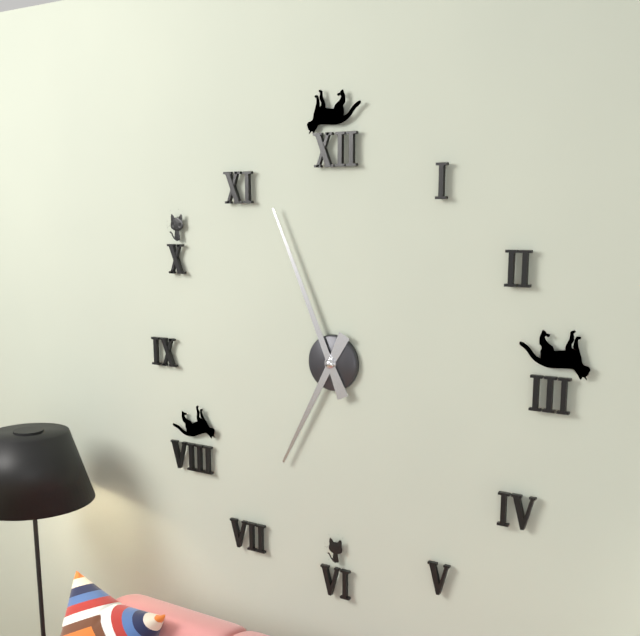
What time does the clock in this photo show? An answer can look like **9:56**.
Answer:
**6:56**
